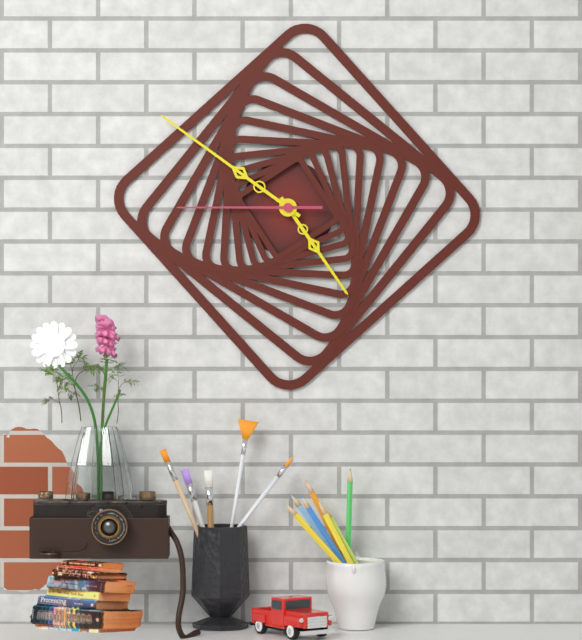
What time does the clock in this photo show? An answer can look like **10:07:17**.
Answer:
**4:51:45**
